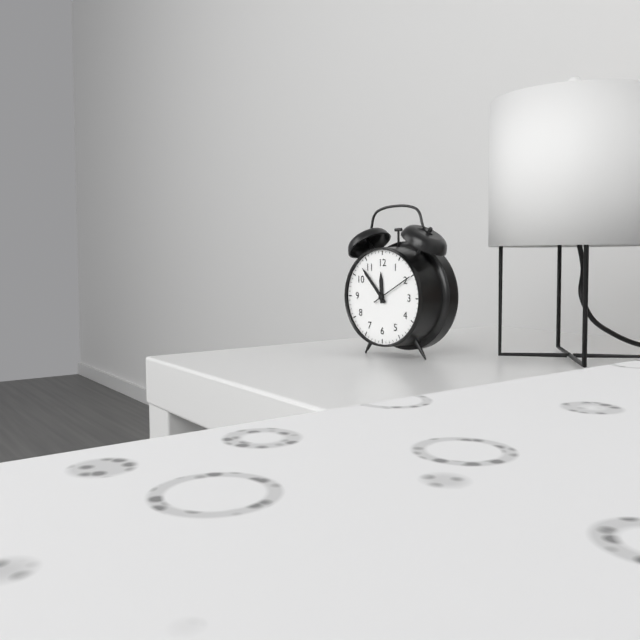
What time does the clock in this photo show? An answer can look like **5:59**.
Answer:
**11:53**
